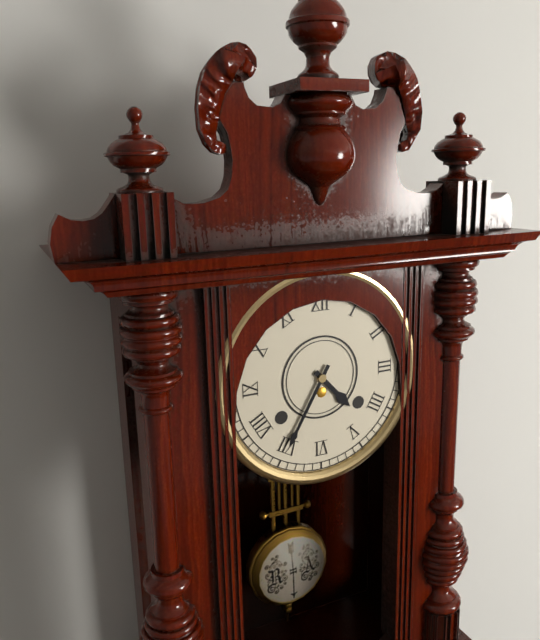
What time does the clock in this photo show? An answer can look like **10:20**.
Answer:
**4:35**
